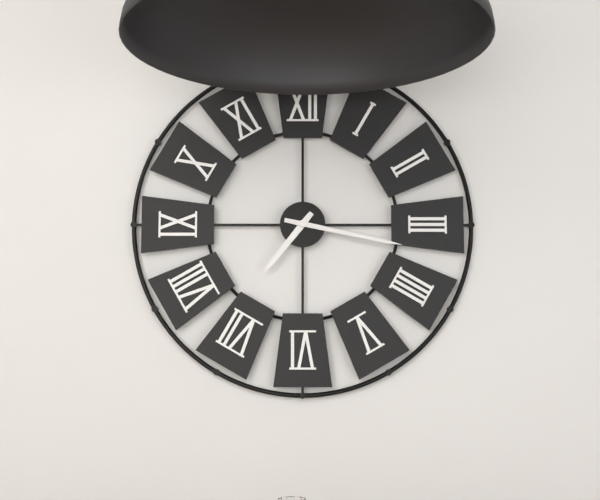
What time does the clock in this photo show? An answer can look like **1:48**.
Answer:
**7:17**
